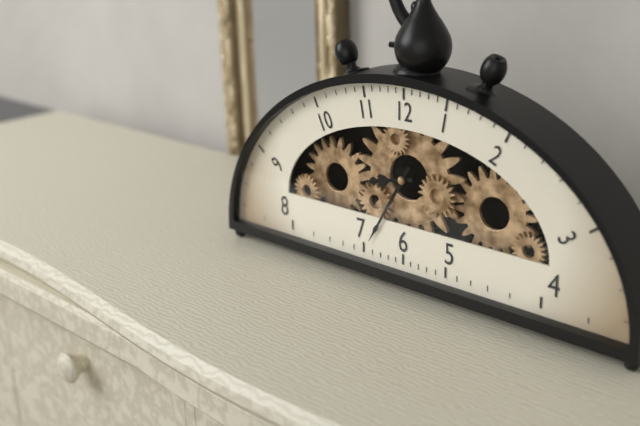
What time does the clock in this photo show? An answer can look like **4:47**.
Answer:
**8:35**
